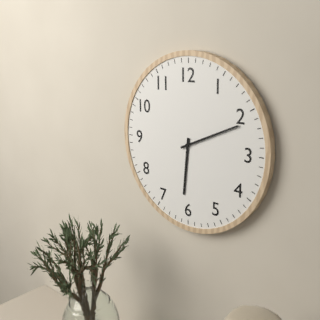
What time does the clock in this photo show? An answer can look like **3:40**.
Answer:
**6:11**
